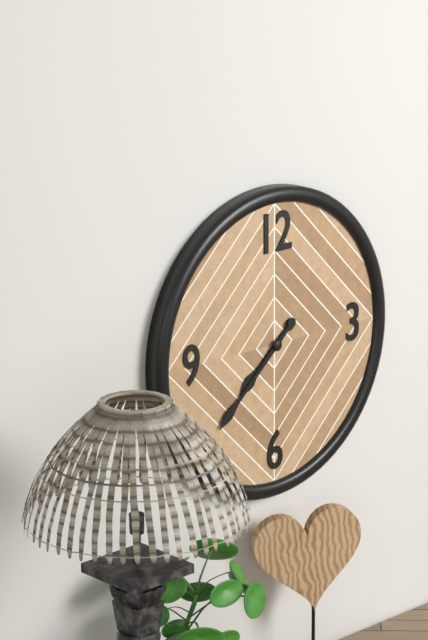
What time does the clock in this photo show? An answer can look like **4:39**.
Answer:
**7:38**
